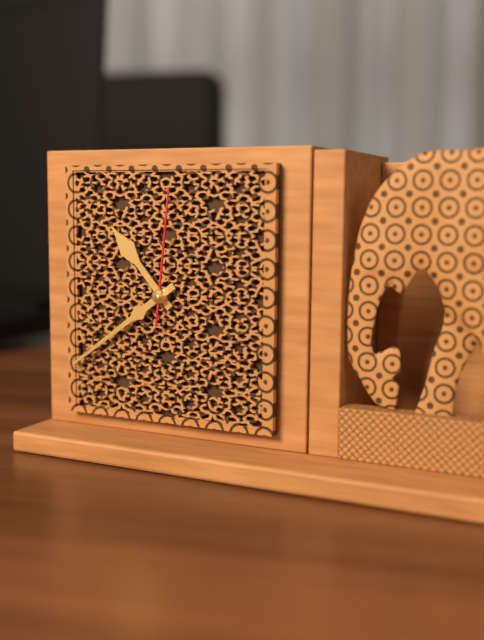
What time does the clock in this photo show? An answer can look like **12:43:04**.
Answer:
**10:39:01**
